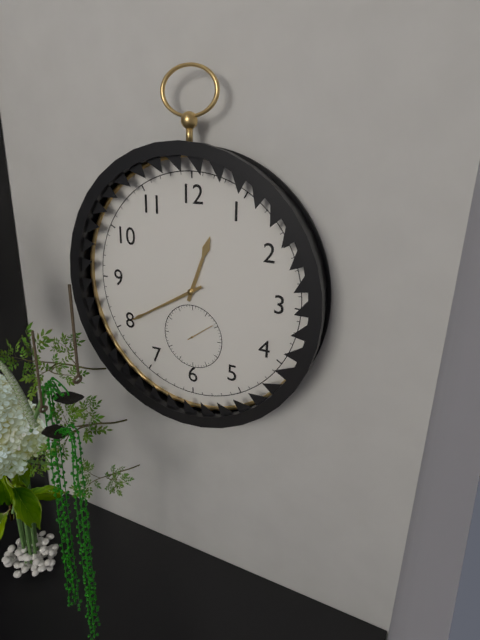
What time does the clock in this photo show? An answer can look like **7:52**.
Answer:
**12:40**
